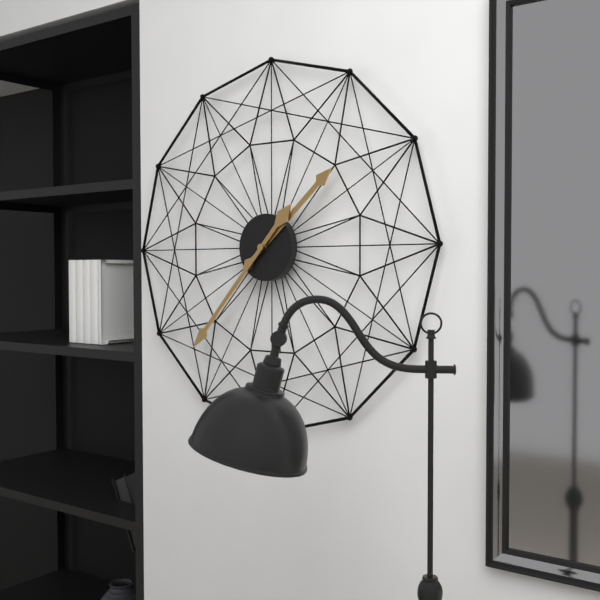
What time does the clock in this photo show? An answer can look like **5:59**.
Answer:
**1:37**
